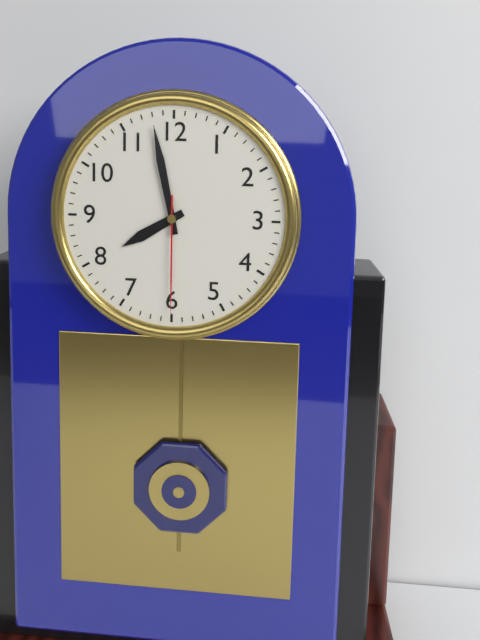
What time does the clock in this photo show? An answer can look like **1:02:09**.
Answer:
**7:58:30**
